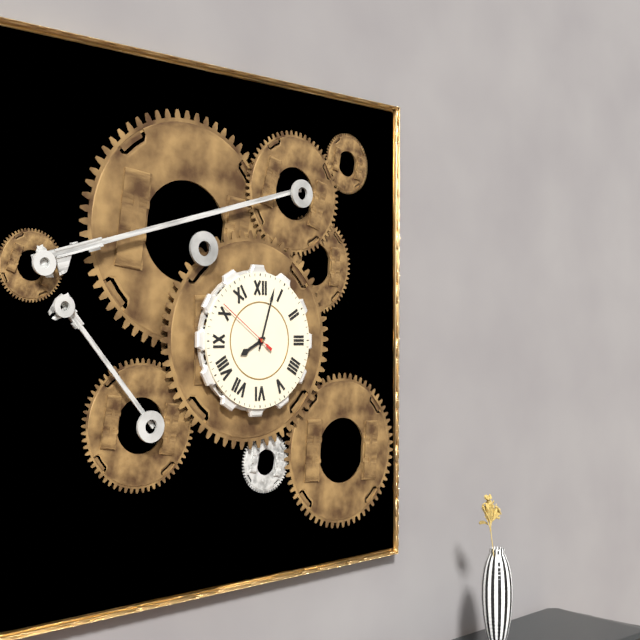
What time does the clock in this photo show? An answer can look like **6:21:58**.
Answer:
**8:03:51**
